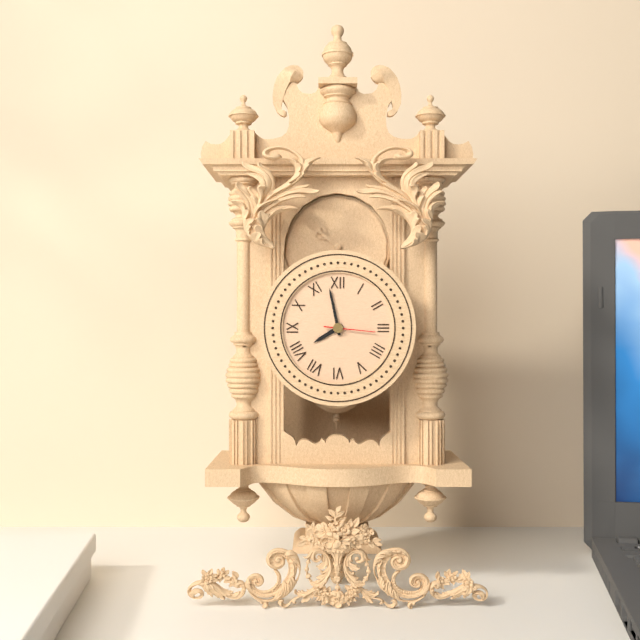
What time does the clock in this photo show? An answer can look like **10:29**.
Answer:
**7:58**
